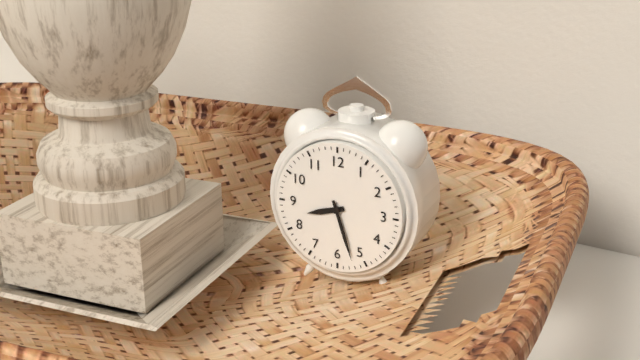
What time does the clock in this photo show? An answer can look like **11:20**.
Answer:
**8:27**
